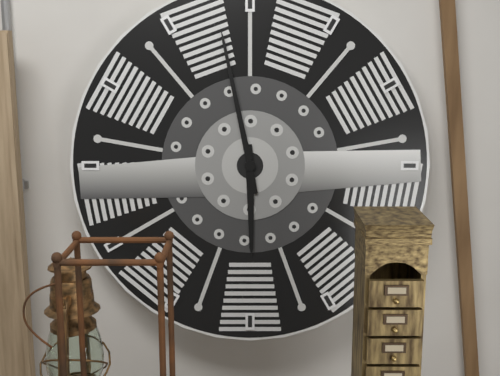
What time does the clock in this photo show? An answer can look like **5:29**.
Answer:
**5:58**
